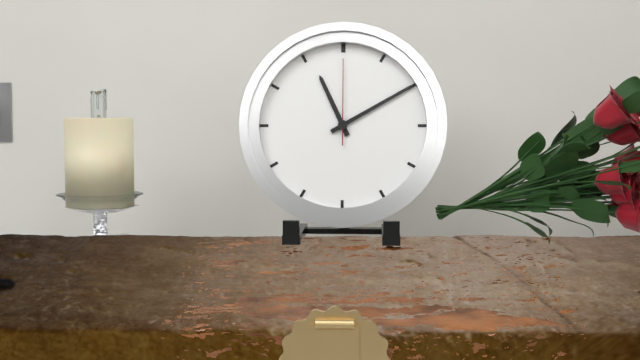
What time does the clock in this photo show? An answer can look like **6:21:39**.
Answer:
**11:10:00**
